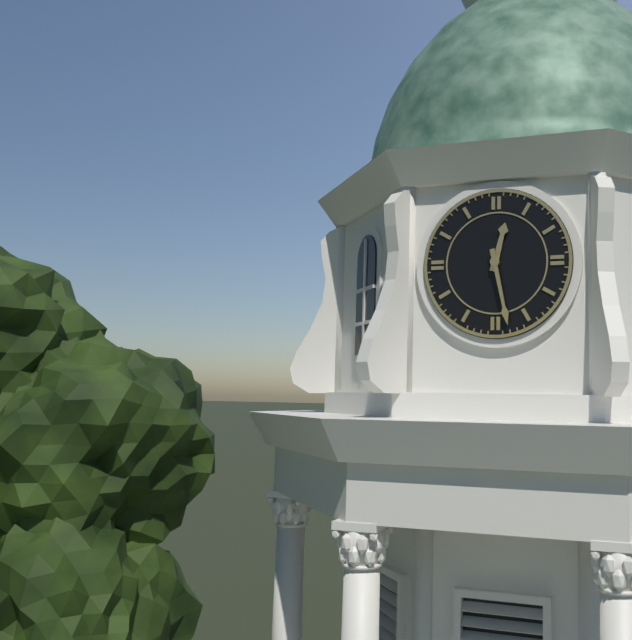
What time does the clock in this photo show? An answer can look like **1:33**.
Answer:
**12:28**
